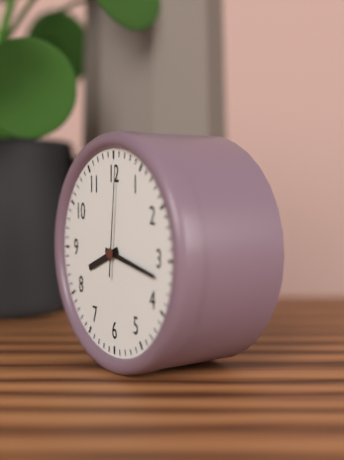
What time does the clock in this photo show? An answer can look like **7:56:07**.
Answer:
**8:17:01**
